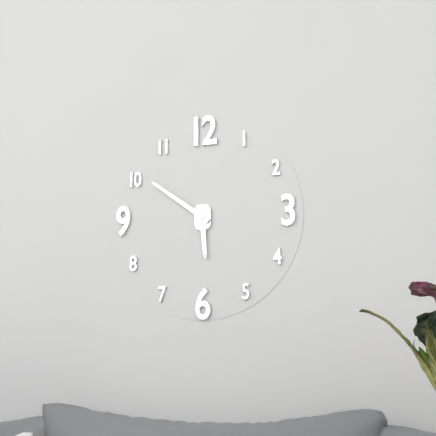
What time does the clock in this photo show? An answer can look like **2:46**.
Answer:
**5:51**
